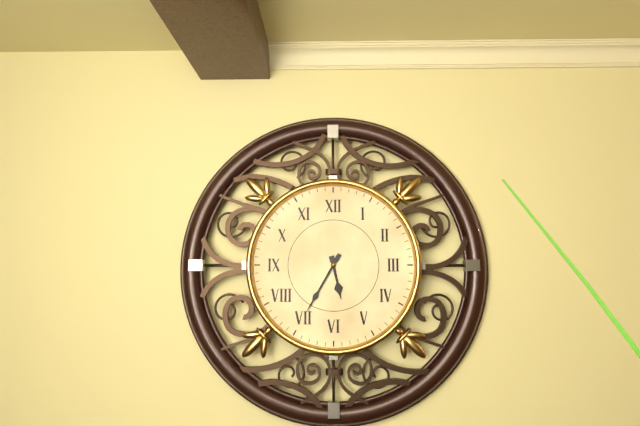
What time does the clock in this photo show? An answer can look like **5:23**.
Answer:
**5:35**
